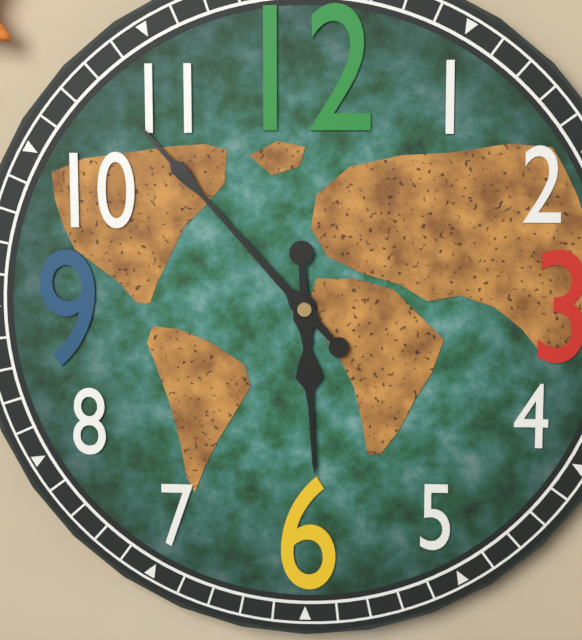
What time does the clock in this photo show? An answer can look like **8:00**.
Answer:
**5:53**
